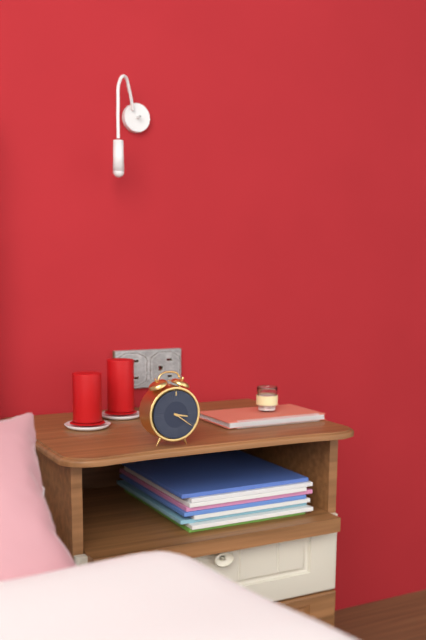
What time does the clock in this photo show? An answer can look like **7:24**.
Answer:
**3:21**
